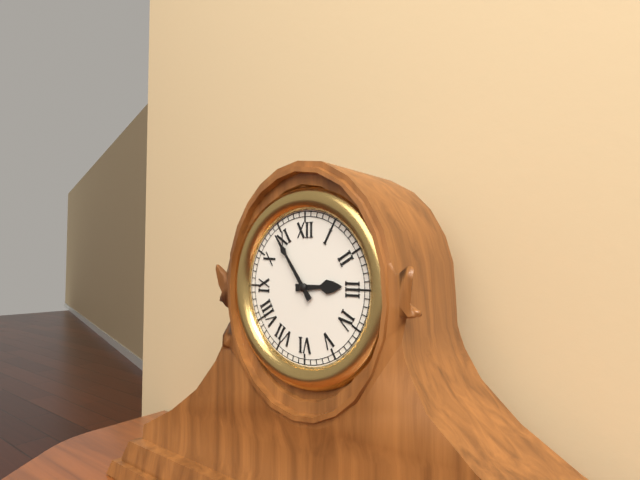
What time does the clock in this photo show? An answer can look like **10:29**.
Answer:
**2:54**
